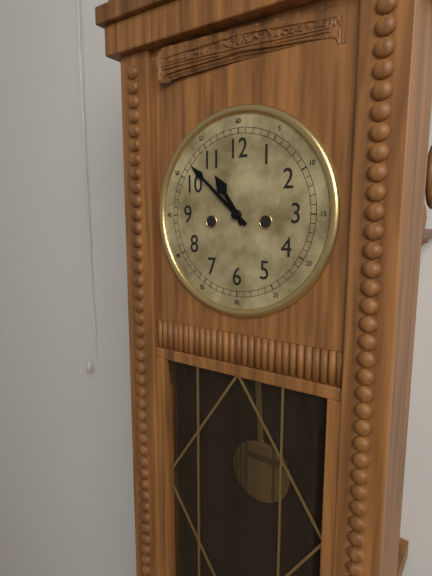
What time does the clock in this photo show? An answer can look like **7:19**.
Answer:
**10:52**
